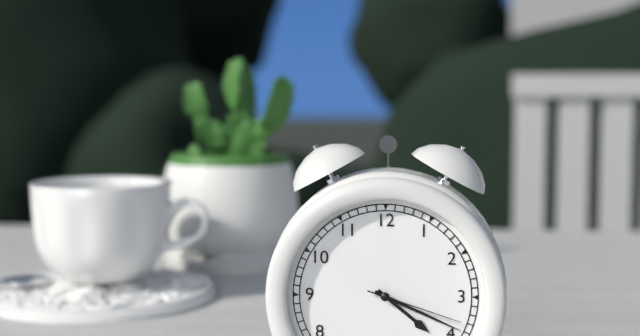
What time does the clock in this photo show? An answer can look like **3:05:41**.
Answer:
**4:19:18**
